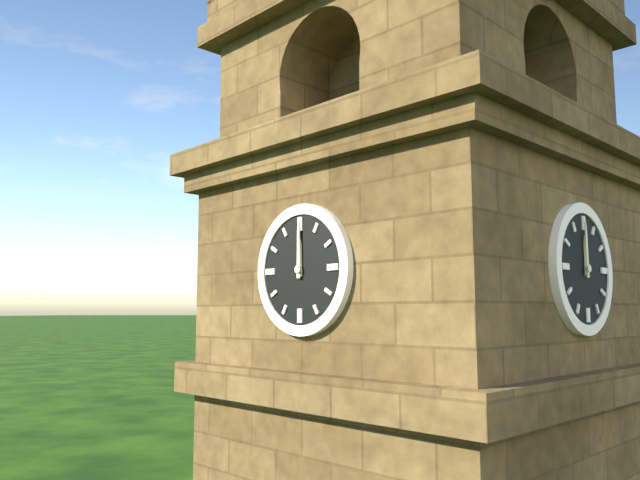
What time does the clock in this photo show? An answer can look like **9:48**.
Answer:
**12:00**
